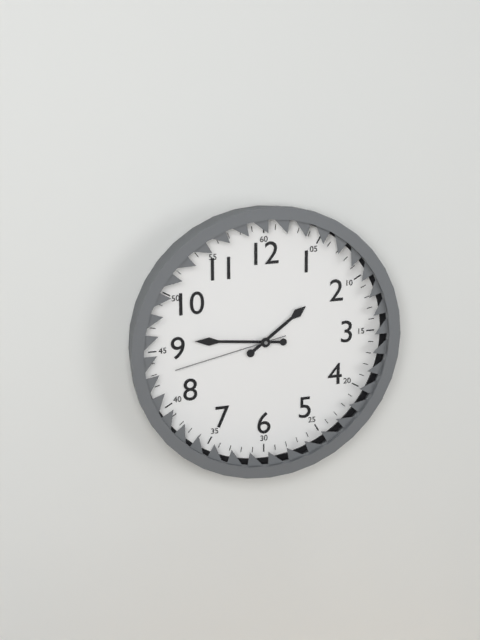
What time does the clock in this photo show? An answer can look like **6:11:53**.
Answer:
**1:46:43**
